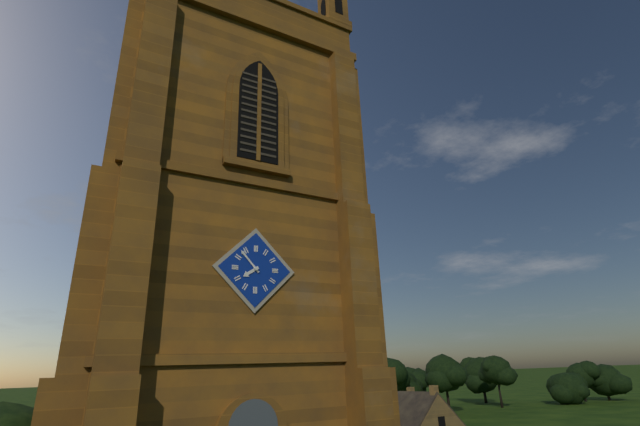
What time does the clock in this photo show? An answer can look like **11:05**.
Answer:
**7:53**
